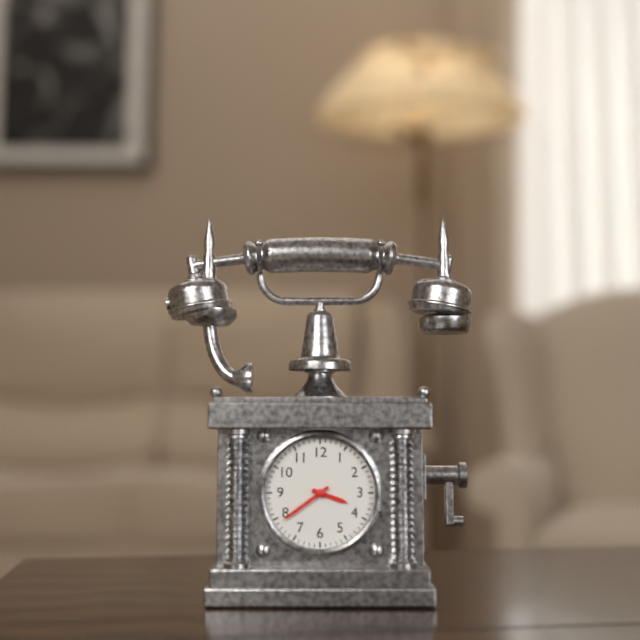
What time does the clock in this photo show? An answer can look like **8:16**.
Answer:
**3:39**
